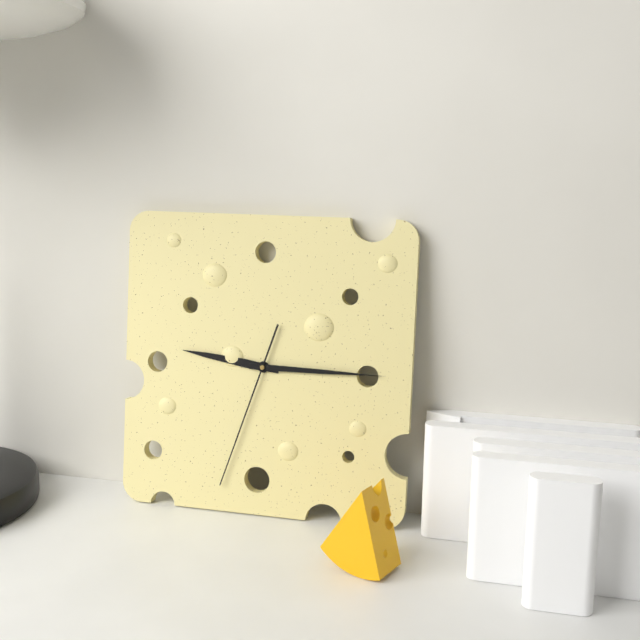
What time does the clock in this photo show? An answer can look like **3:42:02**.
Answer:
**9:15:33**
